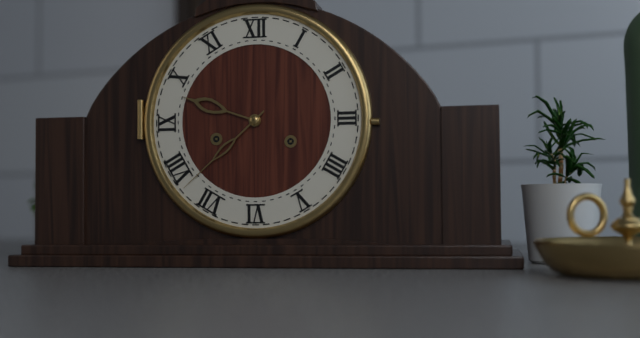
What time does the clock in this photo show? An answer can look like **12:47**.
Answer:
**9:38**
